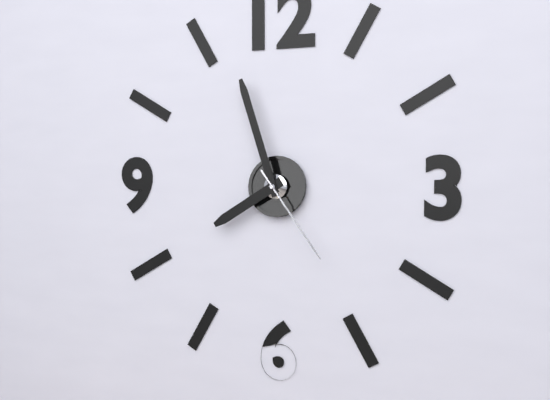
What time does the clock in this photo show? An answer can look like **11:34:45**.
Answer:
**7:57:24**
